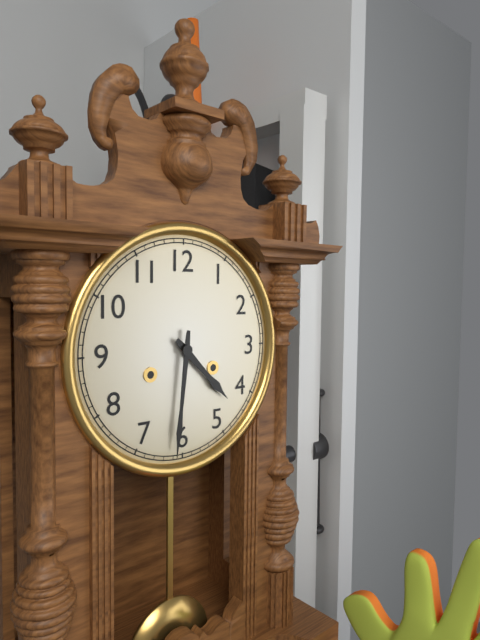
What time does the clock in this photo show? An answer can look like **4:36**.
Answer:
**4:31**
